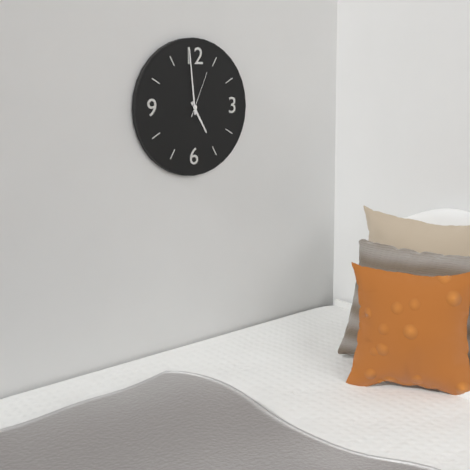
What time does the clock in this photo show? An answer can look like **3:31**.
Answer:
**4:59**
